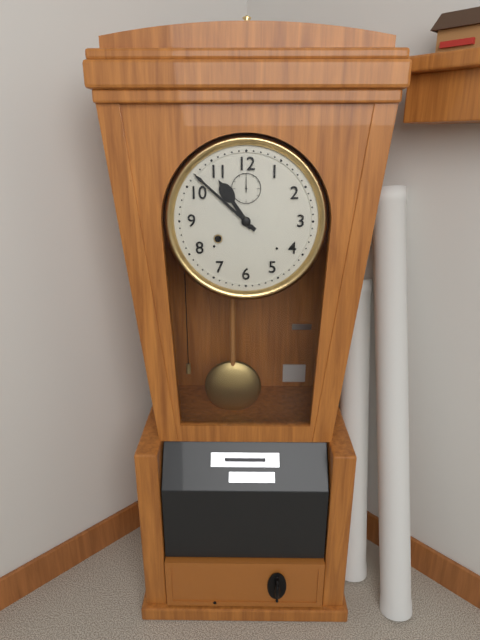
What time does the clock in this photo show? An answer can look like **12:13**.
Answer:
**10:52**
